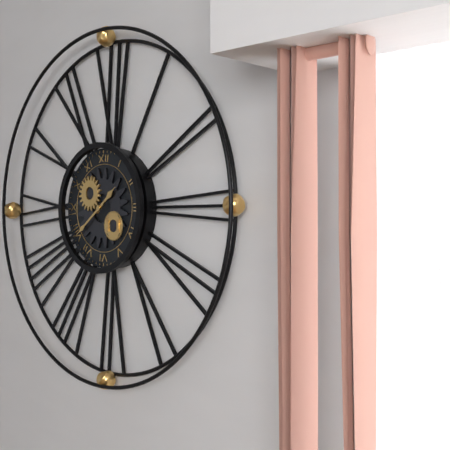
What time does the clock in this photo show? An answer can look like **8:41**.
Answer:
**1:39**
